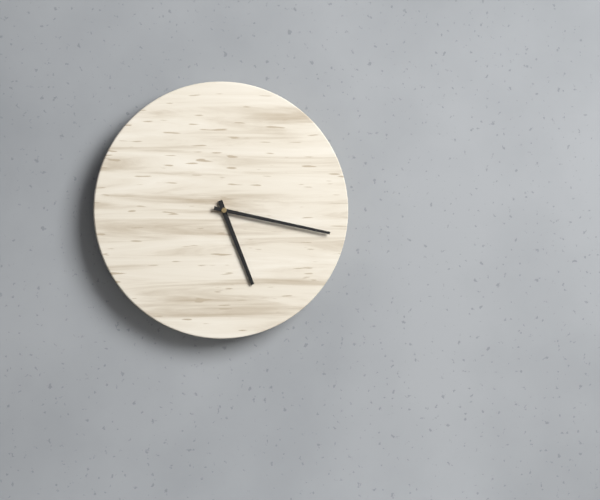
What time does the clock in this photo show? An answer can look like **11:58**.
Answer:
**5:17**
